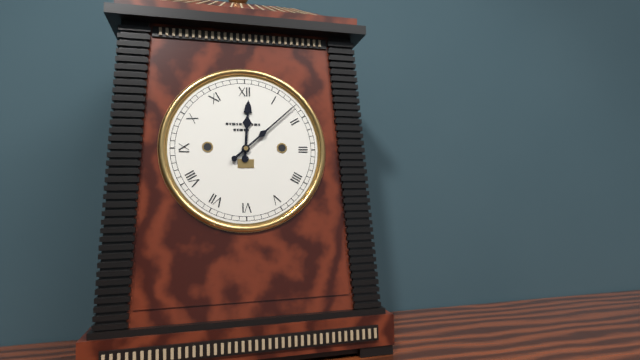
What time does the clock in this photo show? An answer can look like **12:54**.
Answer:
**12:08**
